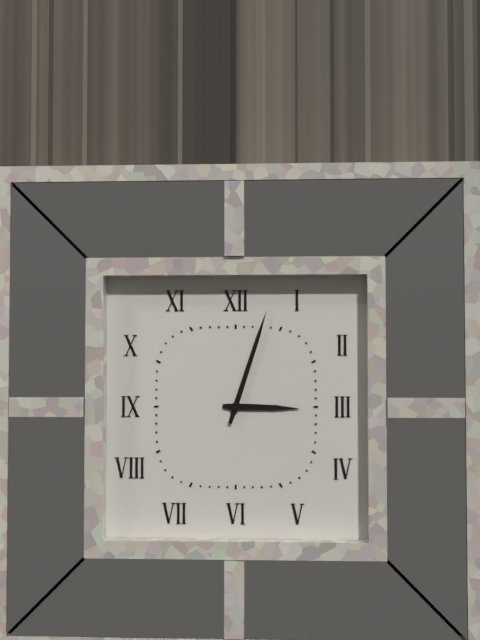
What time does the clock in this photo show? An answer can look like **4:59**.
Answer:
**3:03**
